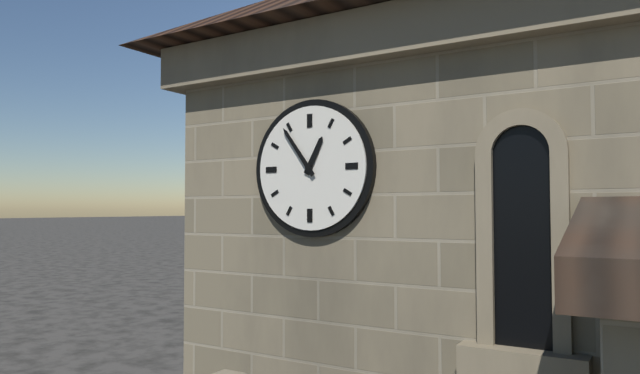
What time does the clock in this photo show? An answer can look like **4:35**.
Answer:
**12:54**
